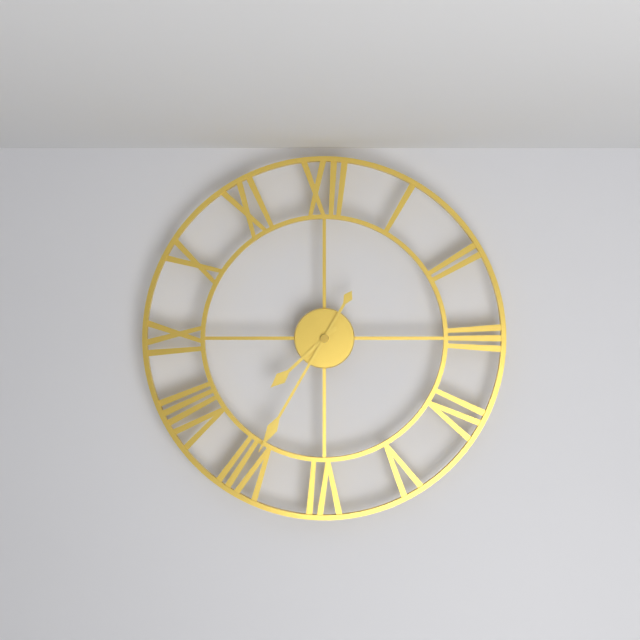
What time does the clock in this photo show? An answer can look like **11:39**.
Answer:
**7:35**
